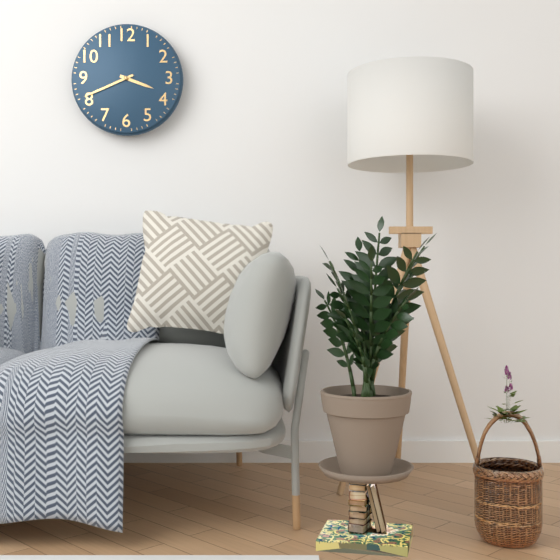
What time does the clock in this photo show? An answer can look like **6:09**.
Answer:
**3:41**
